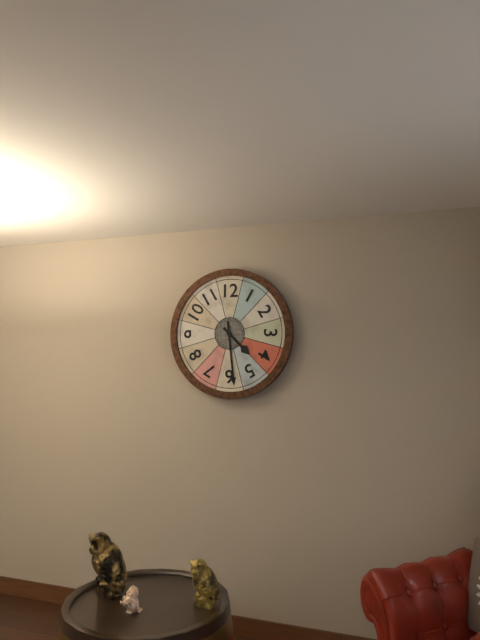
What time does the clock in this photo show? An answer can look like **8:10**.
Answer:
**4:29**
